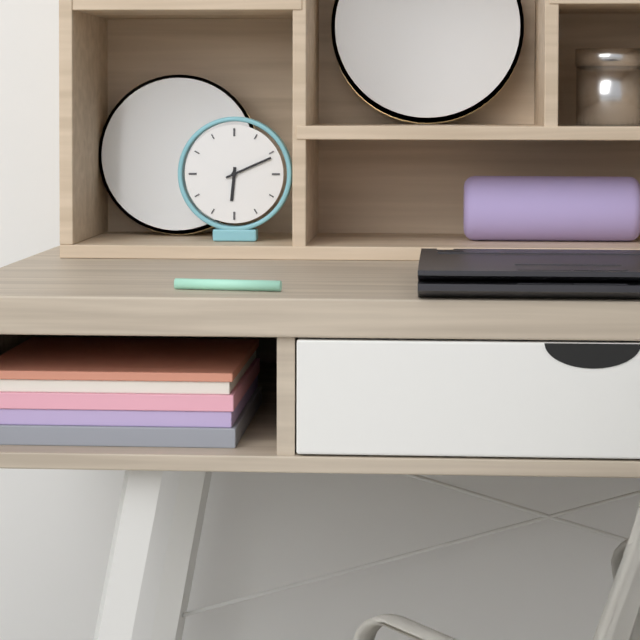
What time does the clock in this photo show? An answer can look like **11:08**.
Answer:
**6:11**
